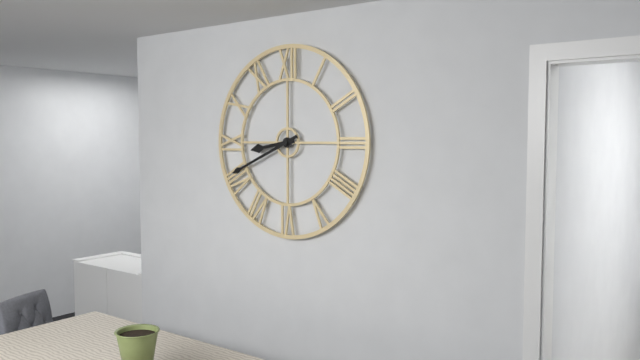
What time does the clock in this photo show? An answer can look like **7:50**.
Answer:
**8:41**
